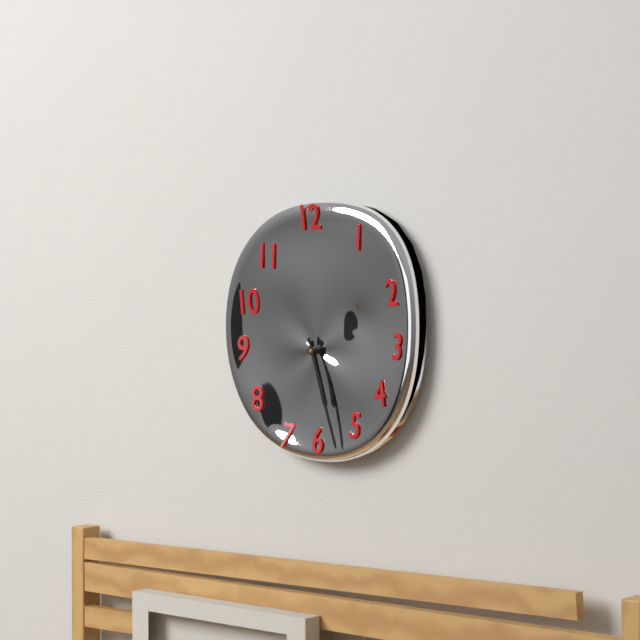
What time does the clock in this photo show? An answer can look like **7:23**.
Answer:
**5:27**
